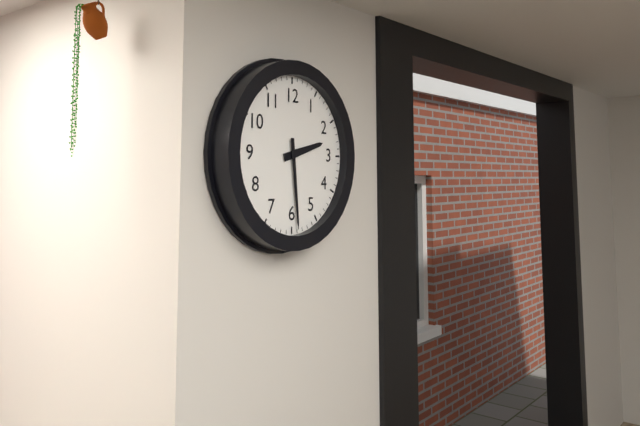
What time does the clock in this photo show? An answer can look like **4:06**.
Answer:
**2:29**
